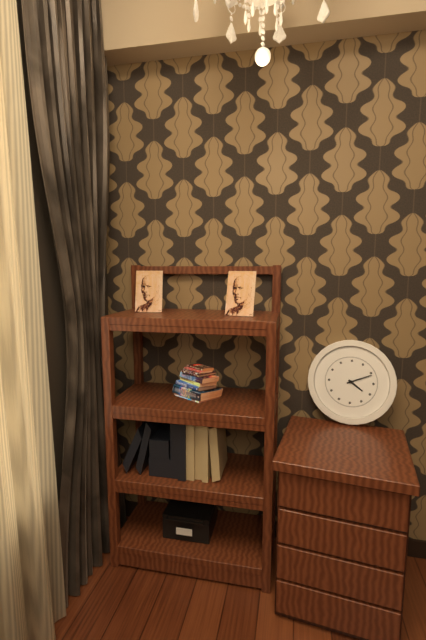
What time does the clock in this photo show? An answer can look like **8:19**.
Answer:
**4:11**
